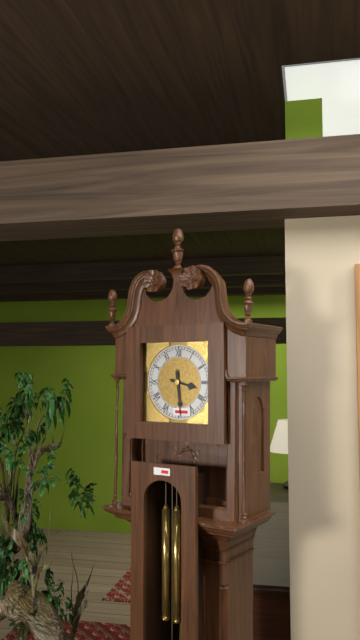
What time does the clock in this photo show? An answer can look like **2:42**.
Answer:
**3:29**
